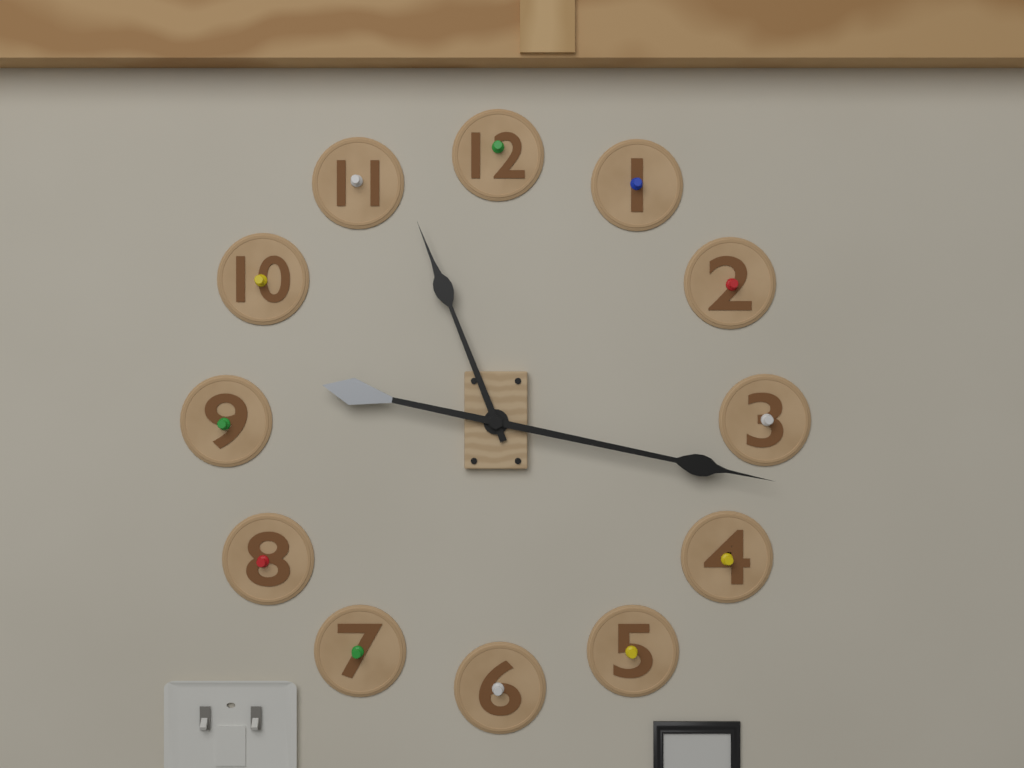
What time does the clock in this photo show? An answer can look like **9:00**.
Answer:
**11:17**
